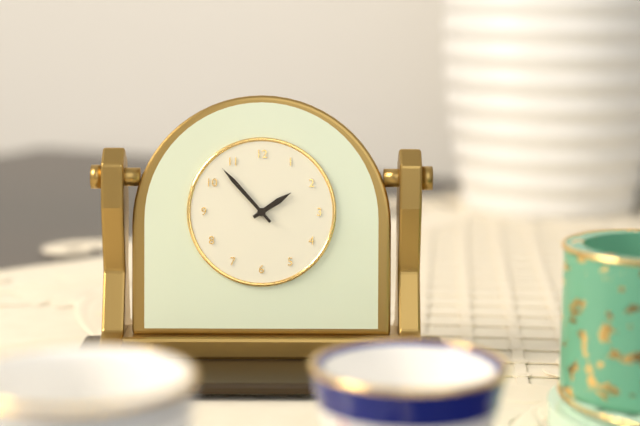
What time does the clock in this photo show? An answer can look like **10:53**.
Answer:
**1:53**
